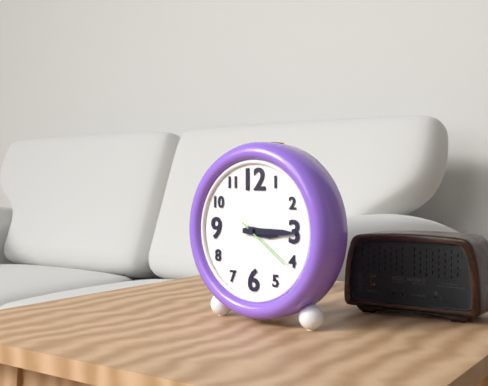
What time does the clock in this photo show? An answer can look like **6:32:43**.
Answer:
**3:15:21**
